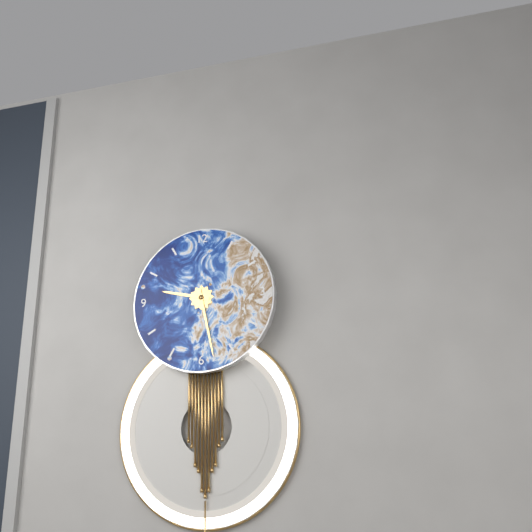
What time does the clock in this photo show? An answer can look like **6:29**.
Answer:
**9:28**
